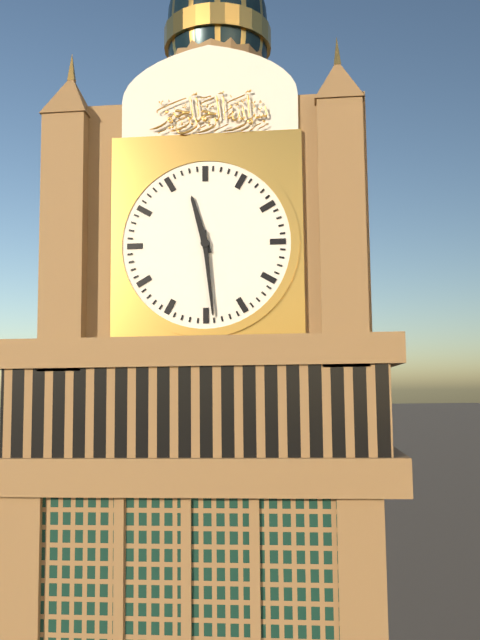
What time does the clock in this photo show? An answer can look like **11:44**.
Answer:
**11:29**
